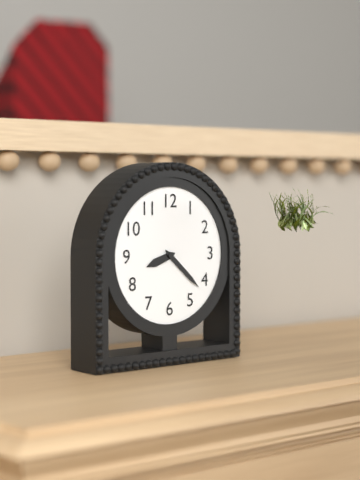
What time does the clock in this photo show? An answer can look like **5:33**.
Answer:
**8:22**
